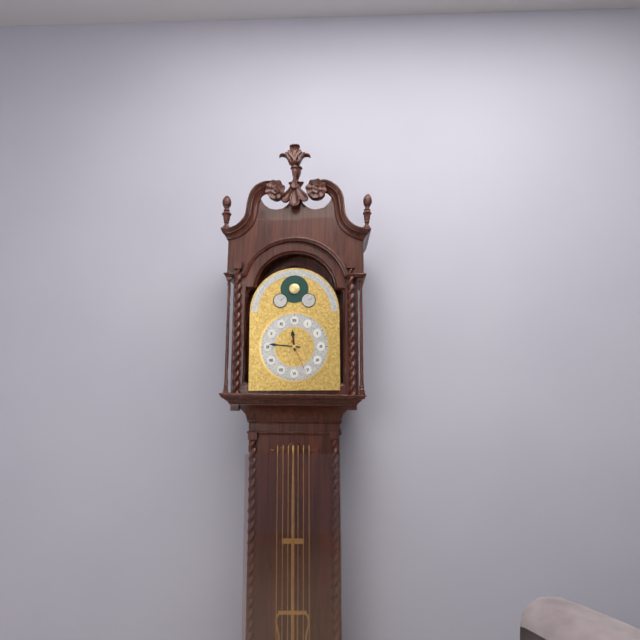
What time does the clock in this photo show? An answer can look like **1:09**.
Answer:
**11:46**
